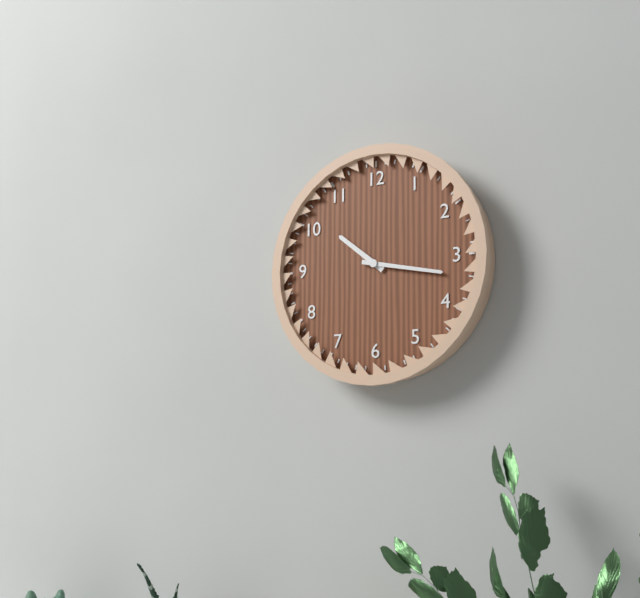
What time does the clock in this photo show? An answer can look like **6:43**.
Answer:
**10:17**
